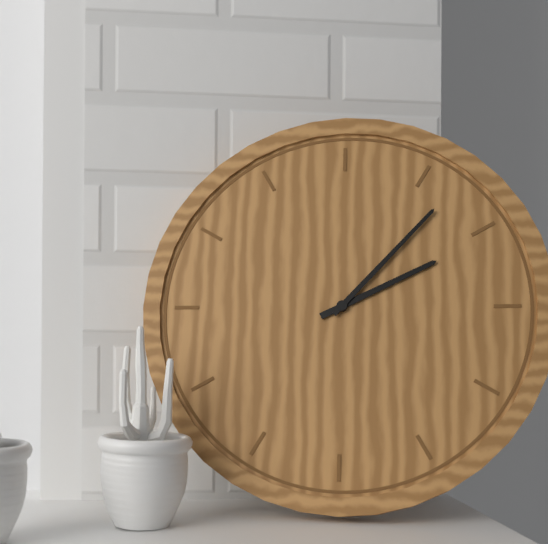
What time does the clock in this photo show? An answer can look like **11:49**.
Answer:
**2:07**
